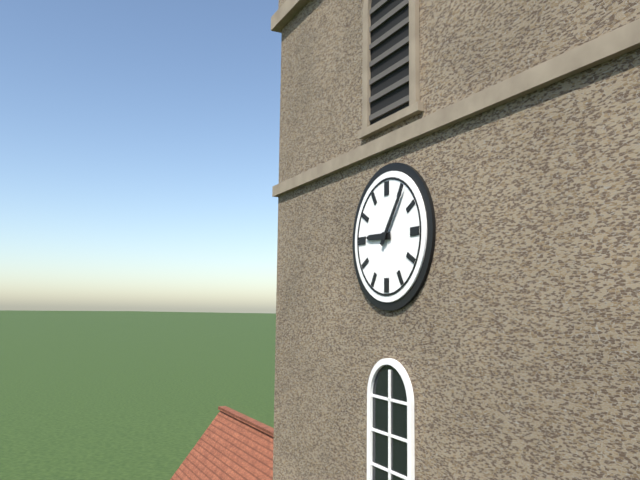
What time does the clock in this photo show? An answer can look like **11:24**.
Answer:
**9:06**
